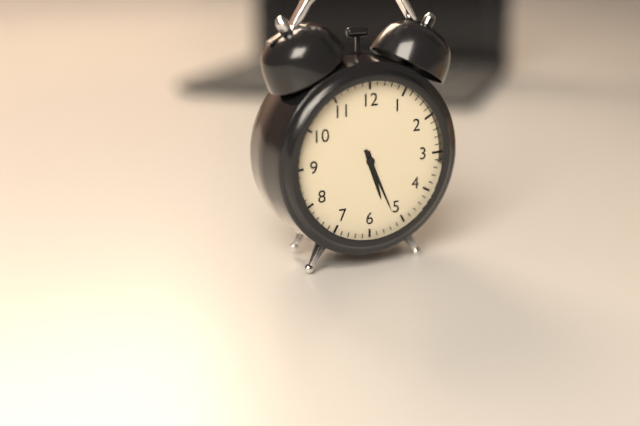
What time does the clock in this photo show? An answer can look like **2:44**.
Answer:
**5:26**
